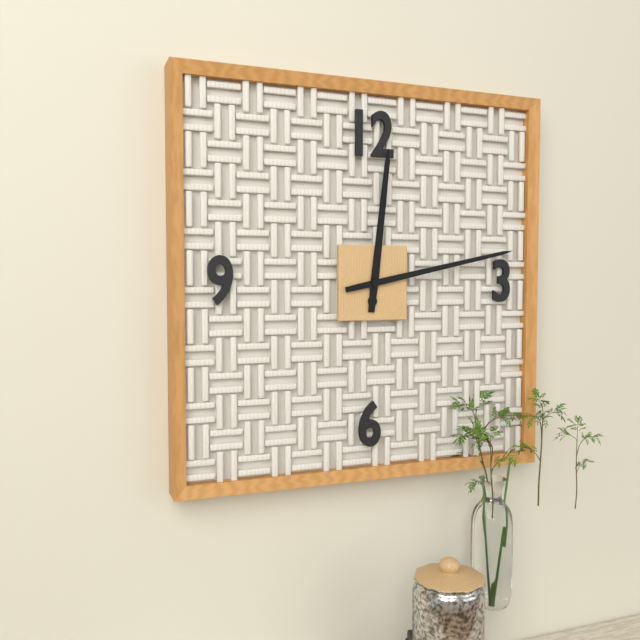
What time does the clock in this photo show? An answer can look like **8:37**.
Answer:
**12:13**
